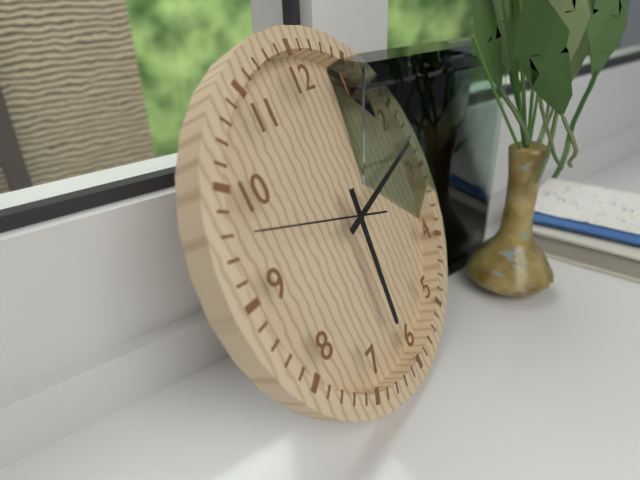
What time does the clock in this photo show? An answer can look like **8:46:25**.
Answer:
**6:13:48**
